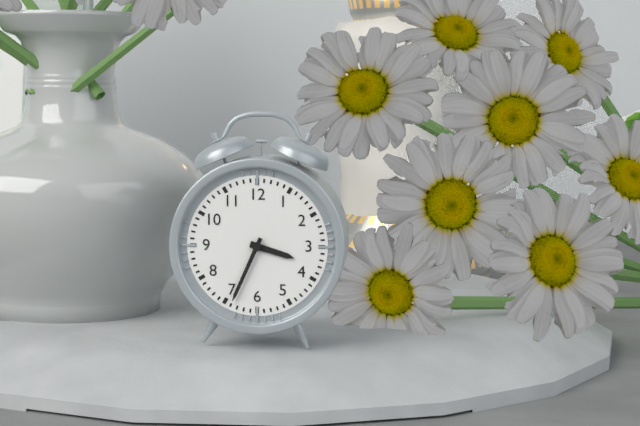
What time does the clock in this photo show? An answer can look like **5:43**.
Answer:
**3:34**
